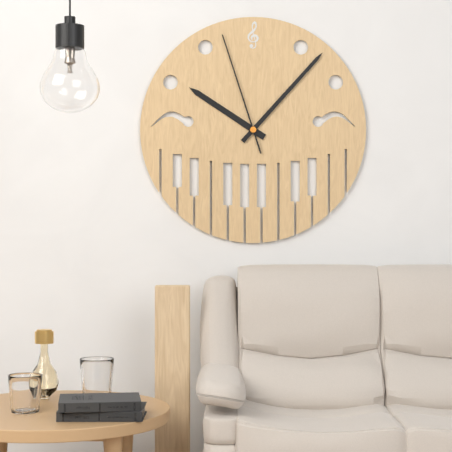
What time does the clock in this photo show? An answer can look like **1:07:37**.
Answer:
**10:07:57**
